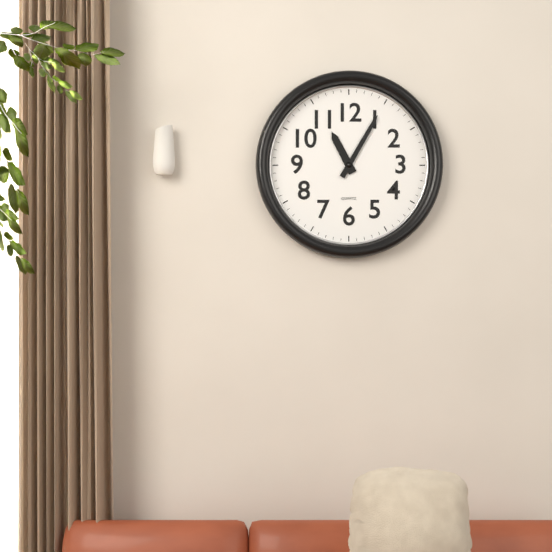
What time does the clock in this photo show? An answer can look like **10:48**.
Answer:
**11:05**
